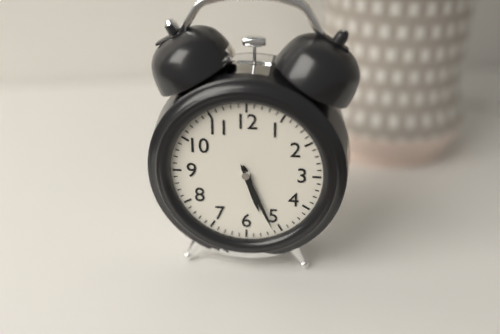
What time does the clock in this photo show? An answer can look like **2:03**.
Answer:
**5:26**
